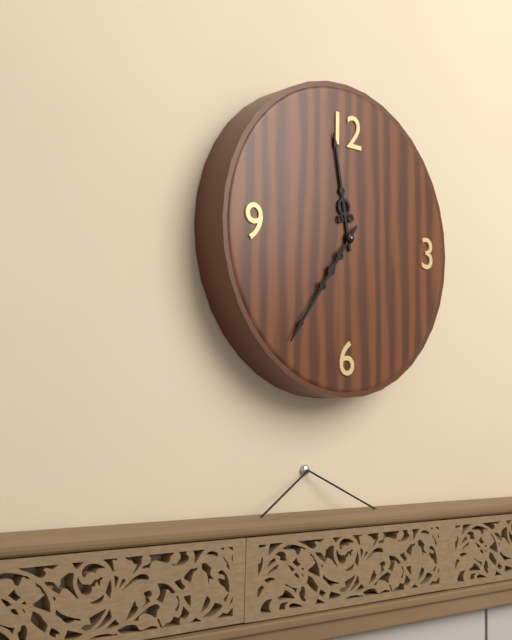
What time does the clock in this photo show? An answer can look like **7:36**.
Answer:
**11:36**
